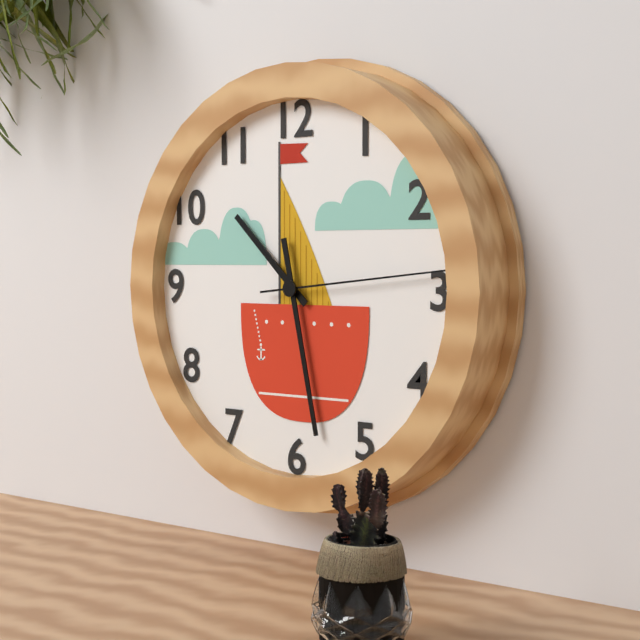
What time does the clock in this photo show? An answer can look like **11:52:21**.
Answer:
**10:28:14**
